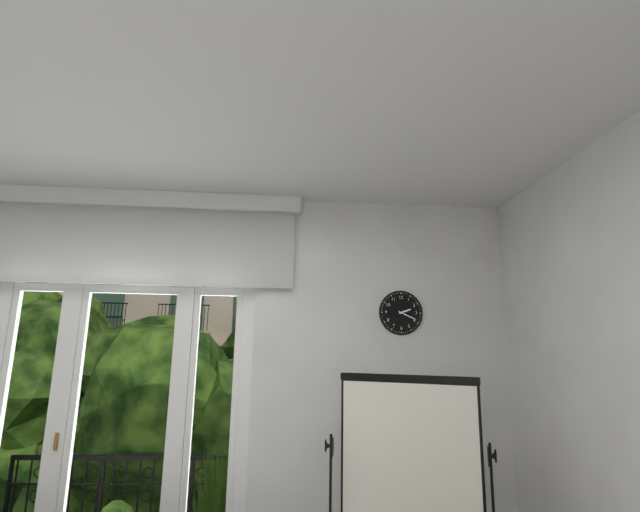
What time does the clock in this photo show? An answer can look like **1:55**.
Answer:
**2:19**
